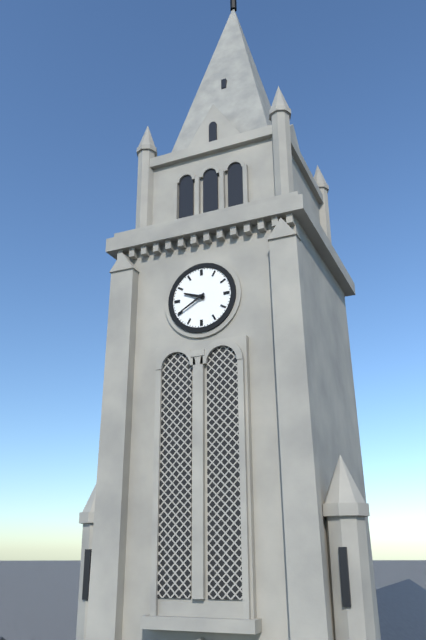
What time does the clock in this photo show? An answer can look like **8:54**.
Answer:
**9:40**
